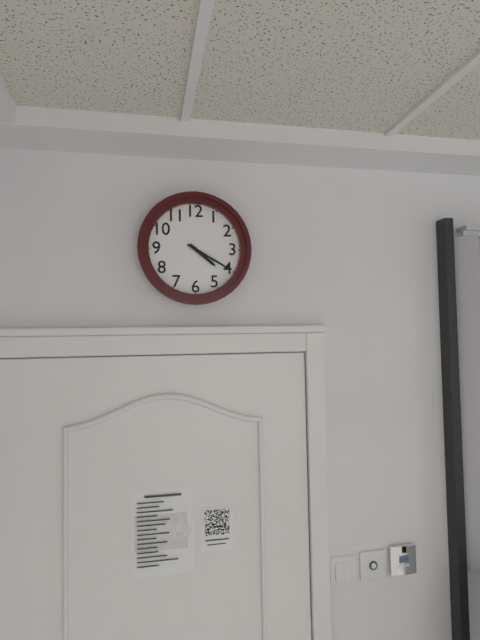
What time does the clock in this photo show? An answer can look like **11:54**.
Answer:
**4:20**
